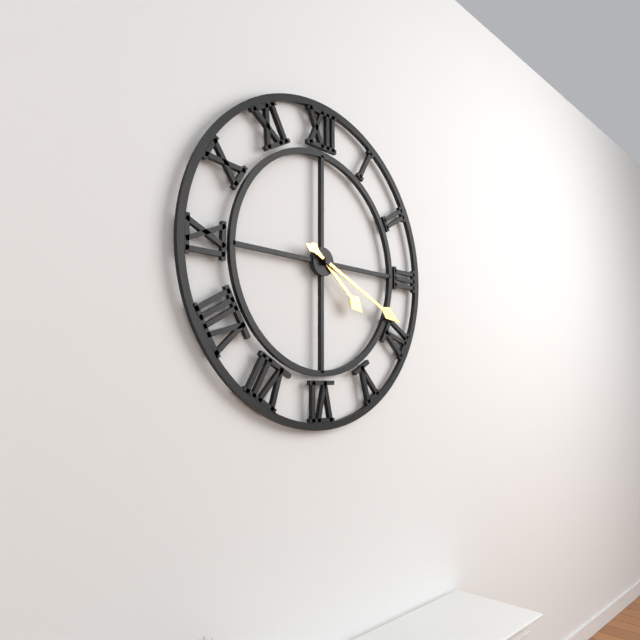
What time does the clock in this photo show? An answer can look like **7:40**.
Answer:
**4:19**
